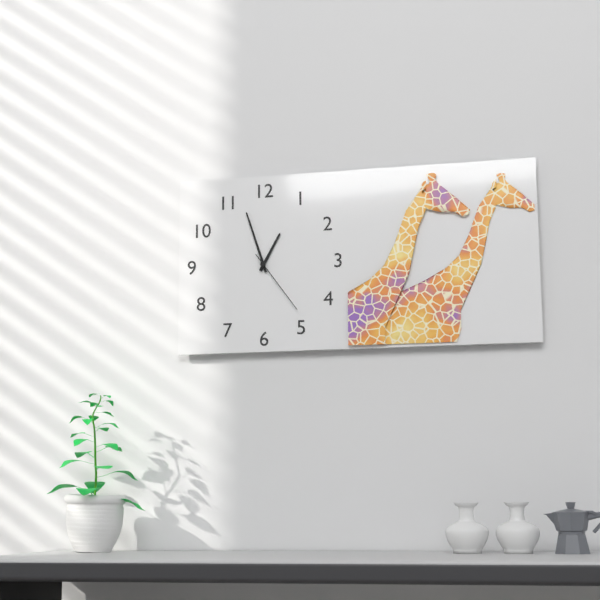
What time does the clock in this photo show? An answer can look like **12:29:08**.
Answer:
**12:57:24**
